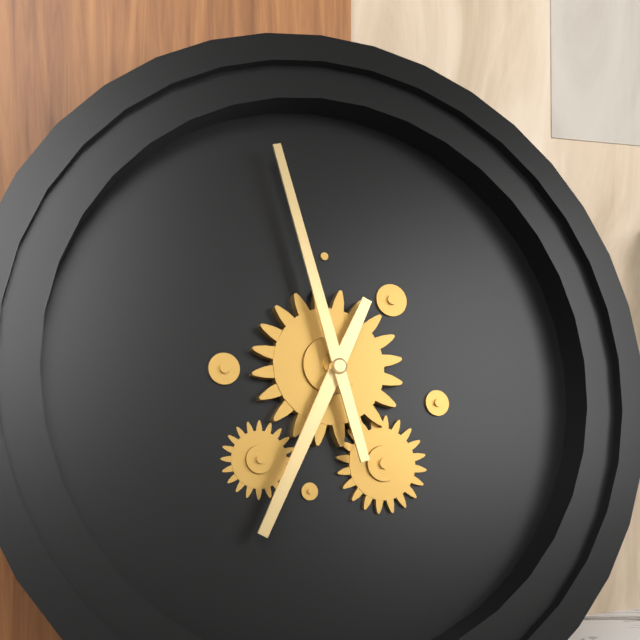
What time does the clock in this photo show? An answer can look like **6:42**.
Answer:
**6:58**
